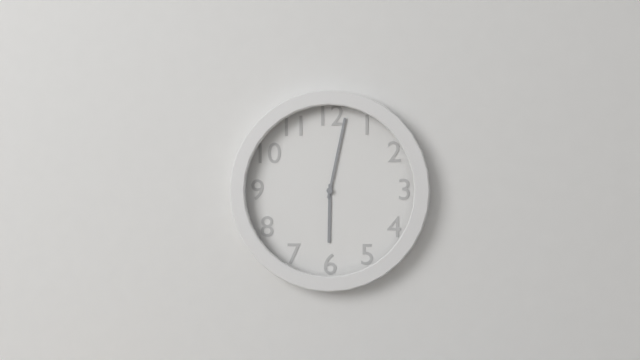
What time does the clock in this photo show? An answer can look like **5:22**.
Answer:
**6:02**
